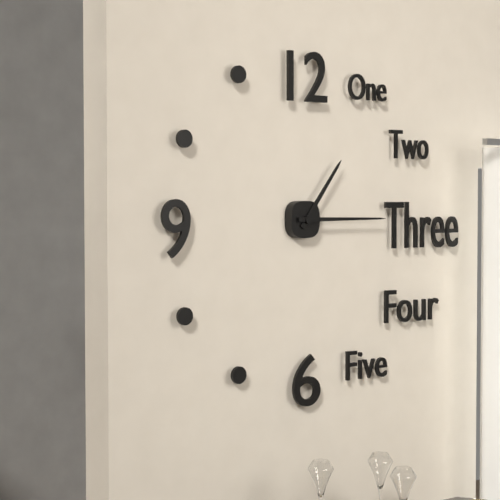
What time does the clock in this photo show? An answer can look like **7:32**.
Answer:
**1:15**
